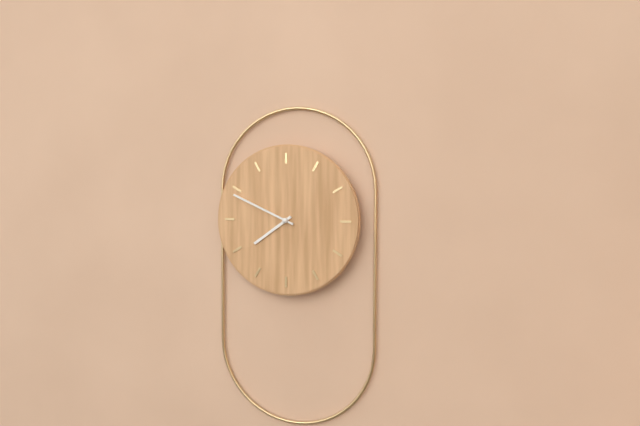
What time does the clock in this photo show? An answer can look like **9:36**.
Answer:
**7:49**
